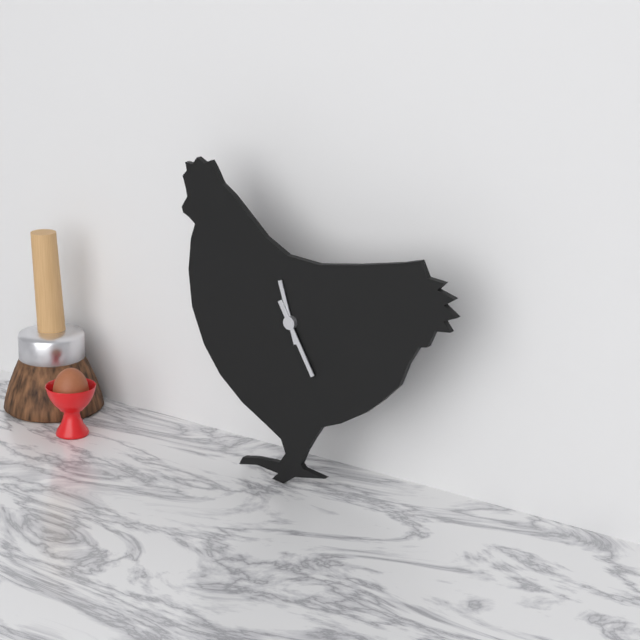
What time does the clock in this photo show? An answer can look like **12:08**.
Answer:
**11:25**
